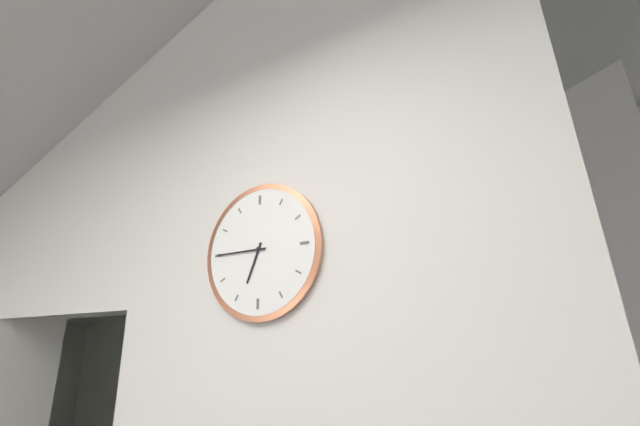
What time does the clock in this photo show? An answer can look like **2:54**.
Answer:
**6:45**
